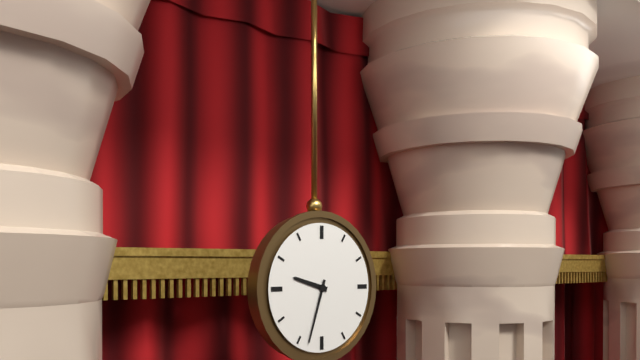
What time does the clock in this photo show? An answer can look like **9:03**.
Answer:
**9:33**
